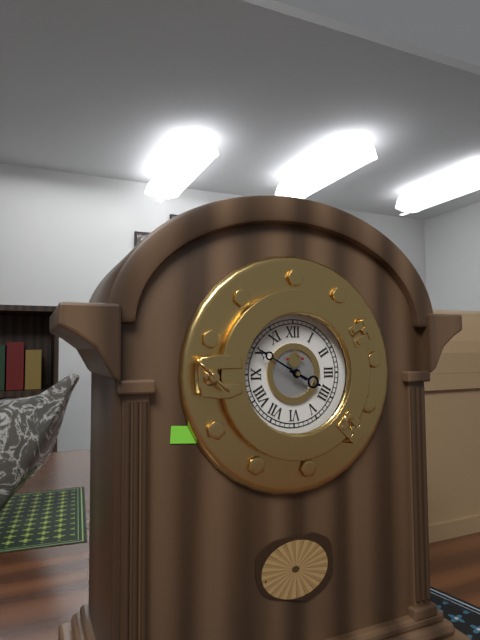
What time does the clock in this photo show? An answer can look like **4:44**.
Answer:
**3:50**
